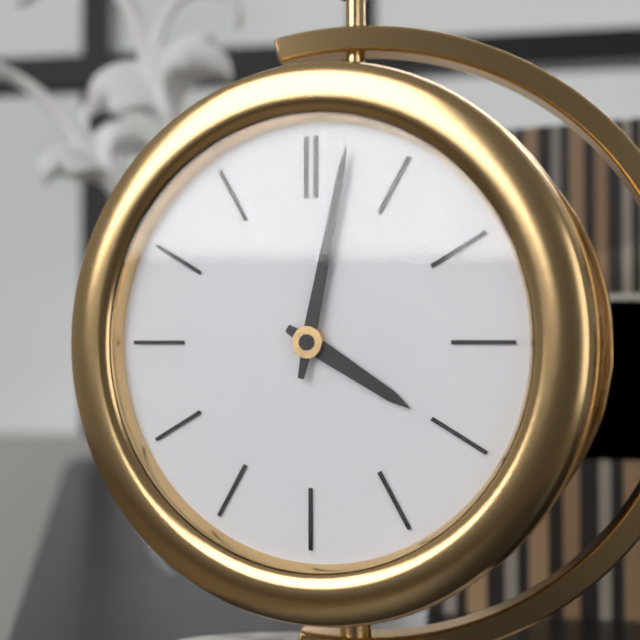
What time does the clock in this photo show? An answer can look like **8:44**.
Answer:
**4:02**
